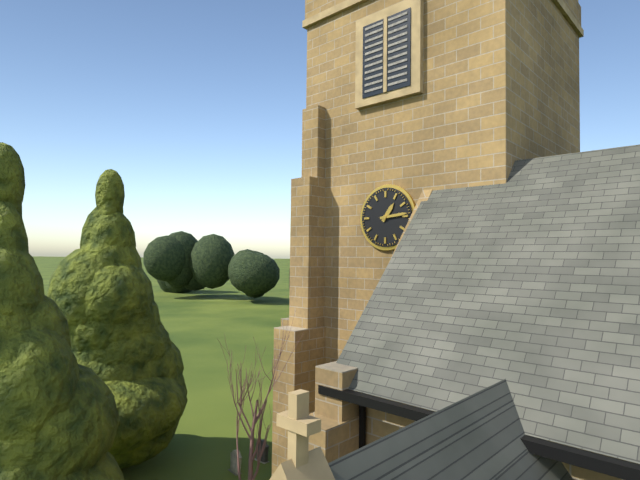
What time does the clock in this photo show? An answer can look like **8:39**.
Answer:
**1:14**
